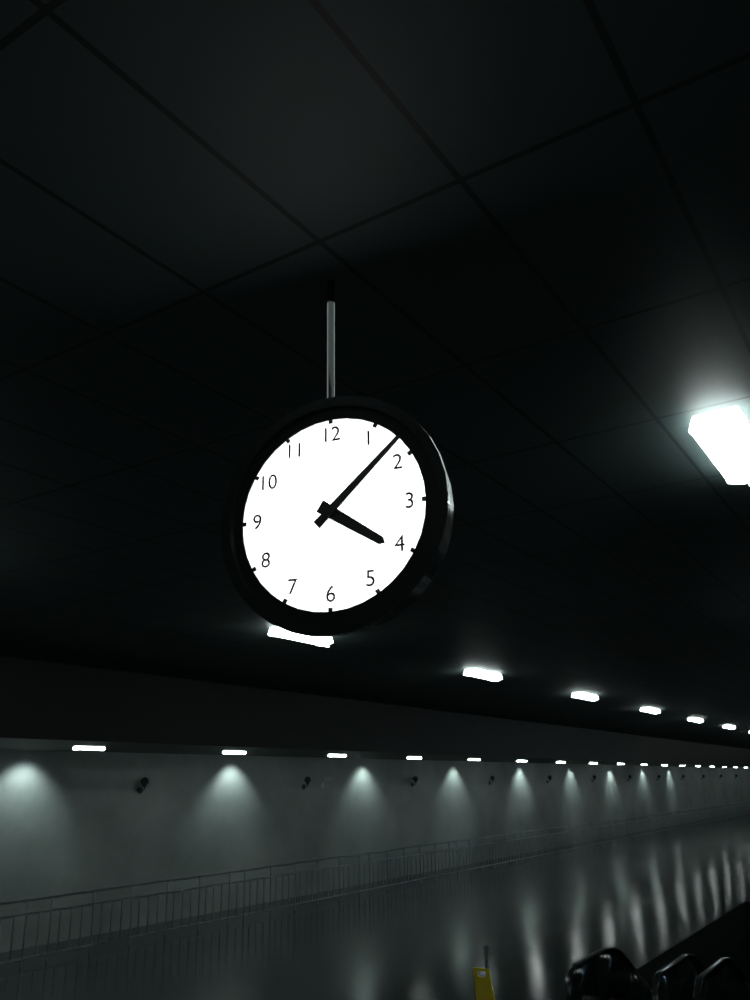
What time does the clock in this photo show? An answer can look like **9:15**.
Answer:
**4:08**
